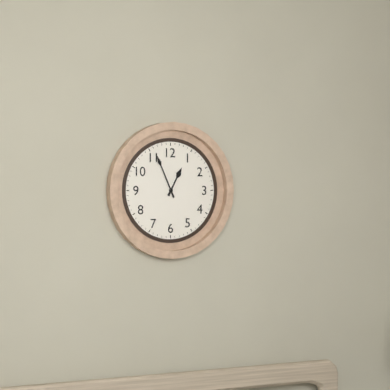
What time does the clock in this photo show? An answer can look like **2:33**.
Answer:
**12:56**
